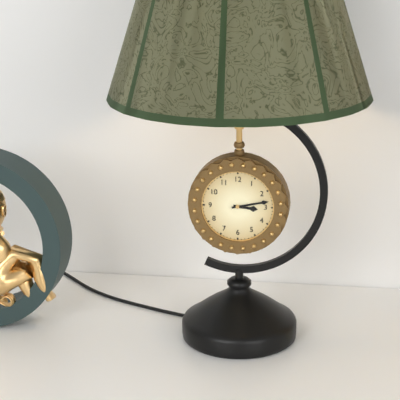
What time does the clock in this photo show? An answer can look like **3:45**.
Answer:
**3:13**
